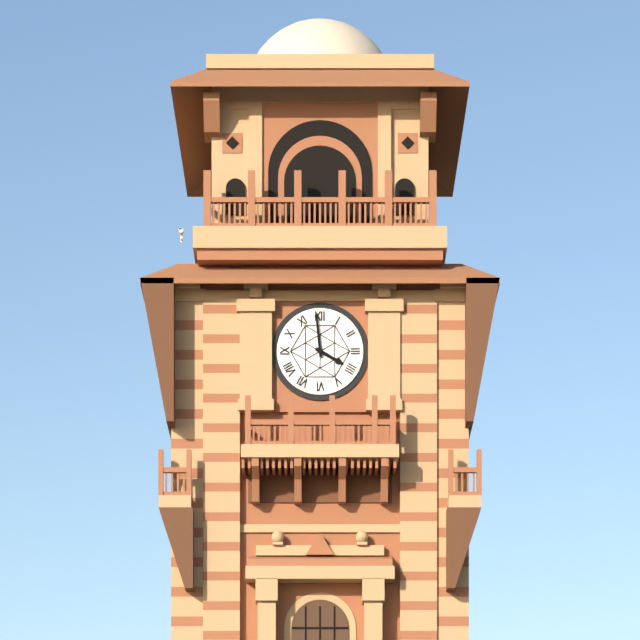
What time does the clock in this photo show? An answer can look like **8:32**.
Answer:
**3:59**
